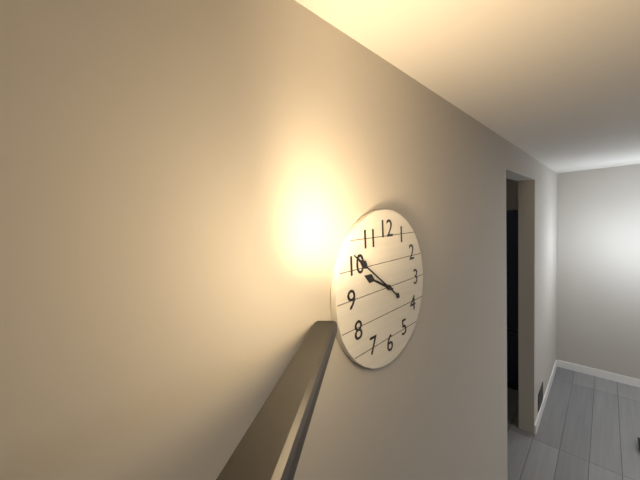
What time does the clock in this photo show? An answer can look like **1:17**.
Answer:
**9:51**
